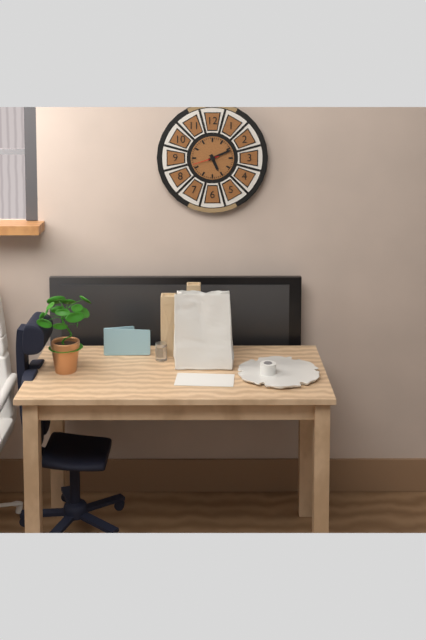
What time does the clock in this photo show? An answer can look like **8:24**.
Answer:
**5:11**
